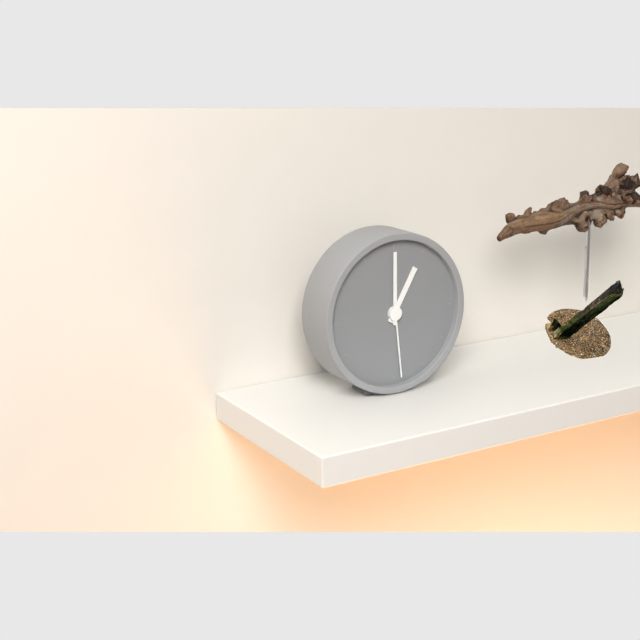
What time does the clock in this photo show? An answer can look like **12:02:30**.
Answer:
**1:00:29**
